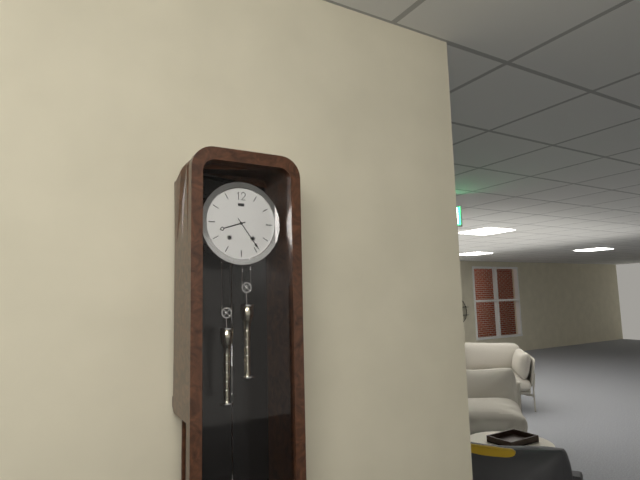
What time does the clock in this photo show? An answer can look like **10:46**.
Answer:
**8:24**
